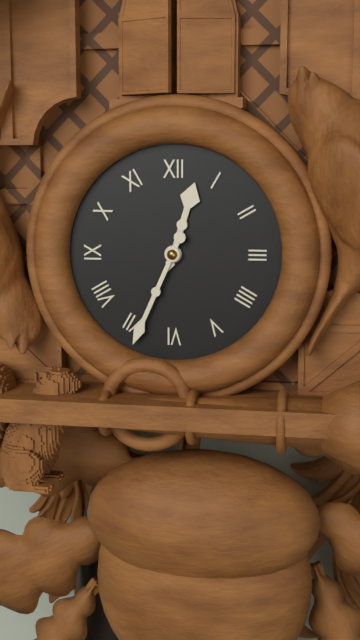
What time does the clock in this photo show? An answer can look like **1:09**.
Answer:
**12:34**
